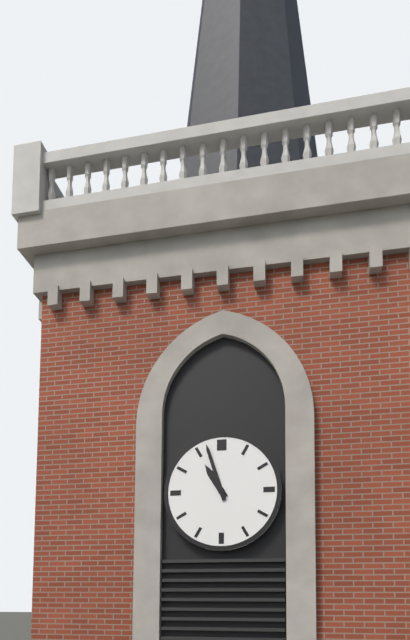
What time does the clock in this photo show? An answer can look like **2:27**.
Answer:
**10:57**
